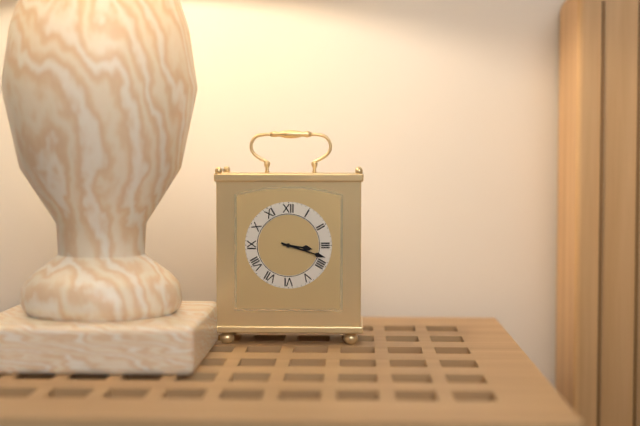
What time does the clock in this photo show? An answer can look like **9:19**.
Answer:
**3:18**
